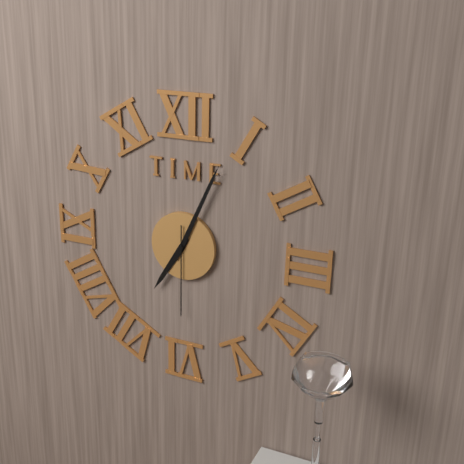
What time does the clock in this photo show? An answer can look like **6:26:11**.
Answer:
**7:04:30**
